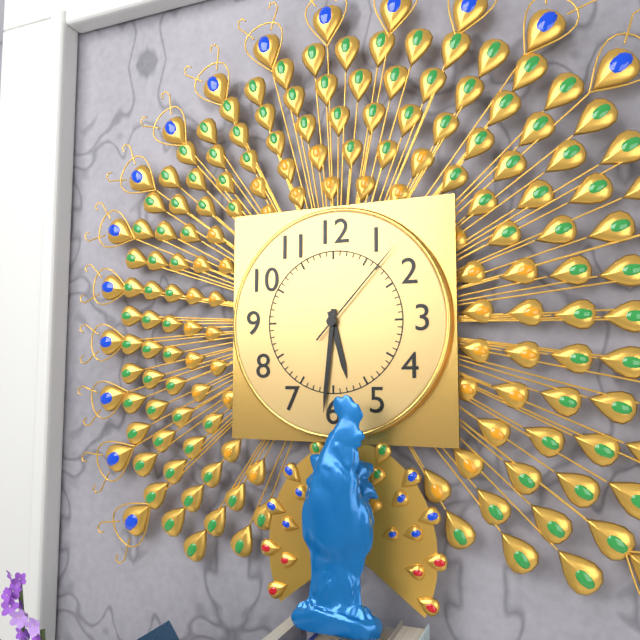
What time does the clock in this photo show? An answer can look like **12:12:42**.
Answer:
**5:31:07**
